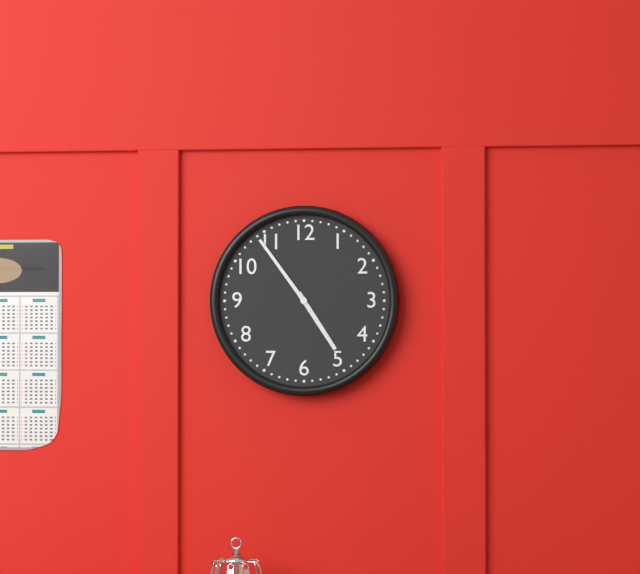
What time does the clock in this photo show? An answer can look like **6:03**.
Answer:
**4:54**
